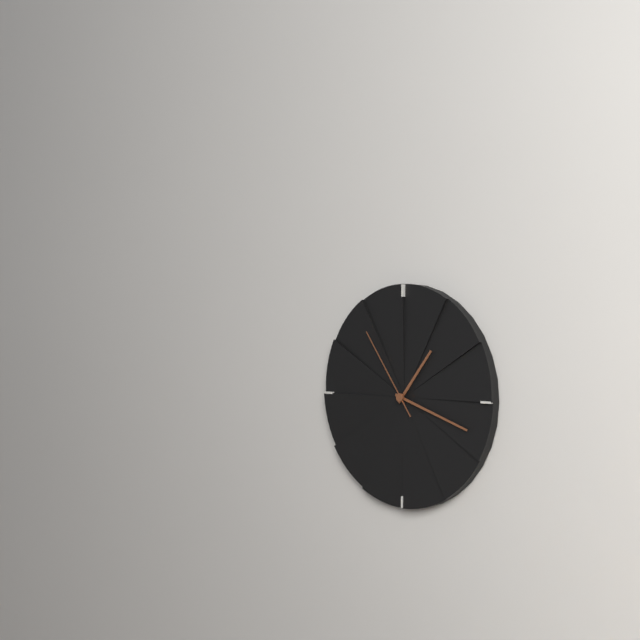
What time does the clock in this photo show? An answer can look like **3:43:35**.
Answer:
**1:18:54**
